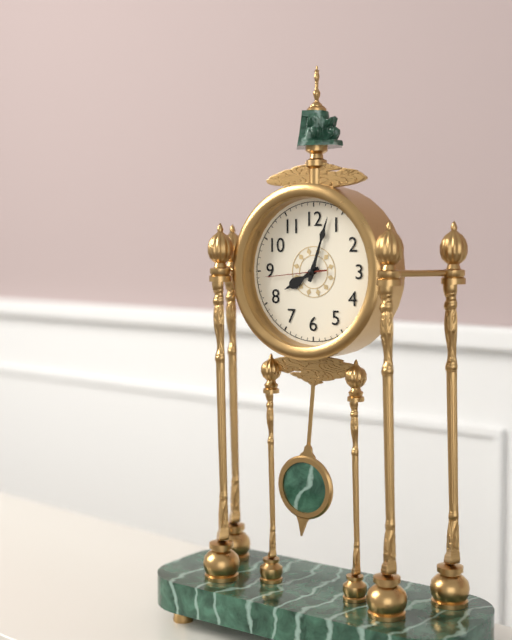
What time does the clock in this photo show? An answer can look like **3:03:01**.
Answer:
**8:03:44**
